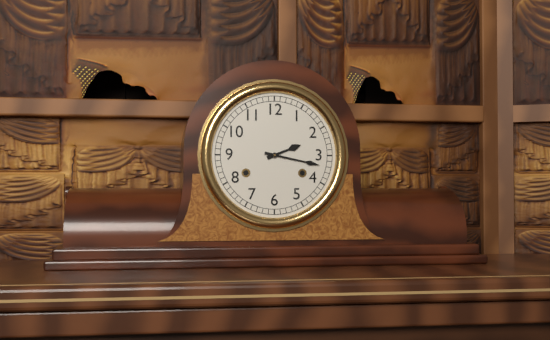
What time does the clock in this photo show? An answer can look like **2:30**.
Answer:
**2:17**
